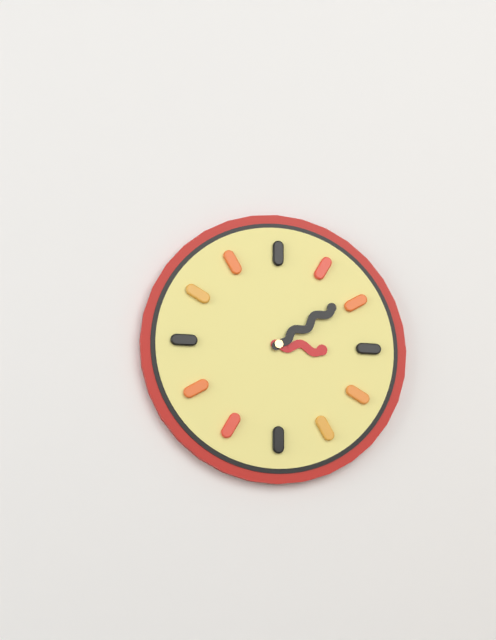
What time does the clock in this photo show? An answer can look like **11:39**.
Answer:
**3:09**
